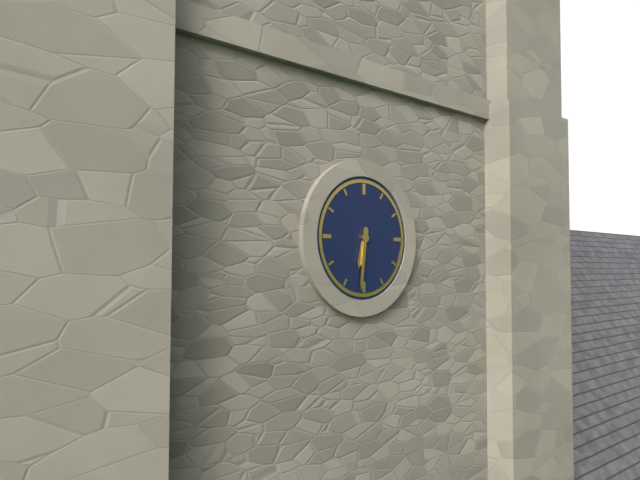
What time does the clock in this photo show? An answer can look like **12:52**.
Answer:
**6:31**
